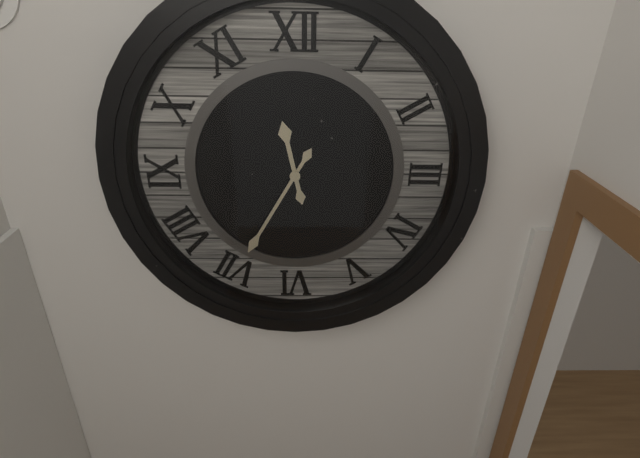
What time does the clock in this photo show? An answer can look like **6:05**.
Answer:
**11:35**
